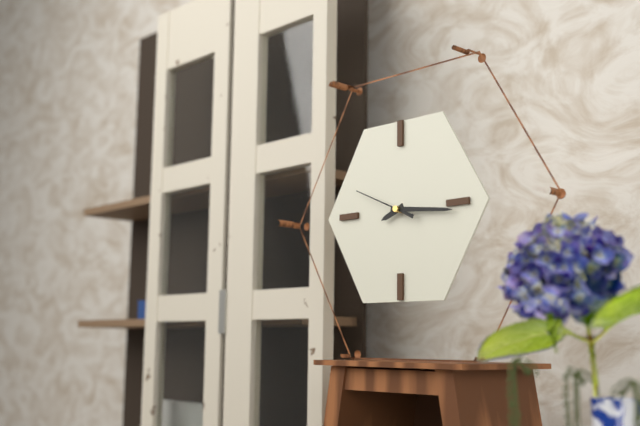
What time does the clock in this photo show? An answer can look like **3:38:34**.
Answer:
**8:16:49**
